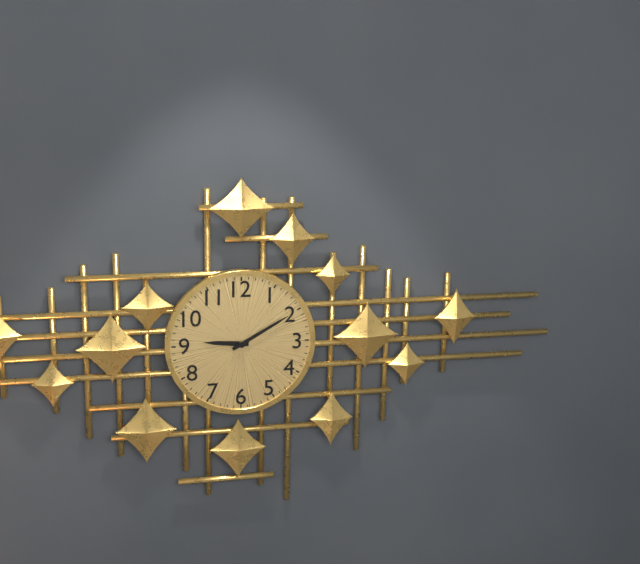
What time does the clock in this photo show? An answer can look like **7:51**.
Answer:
**9:10**
